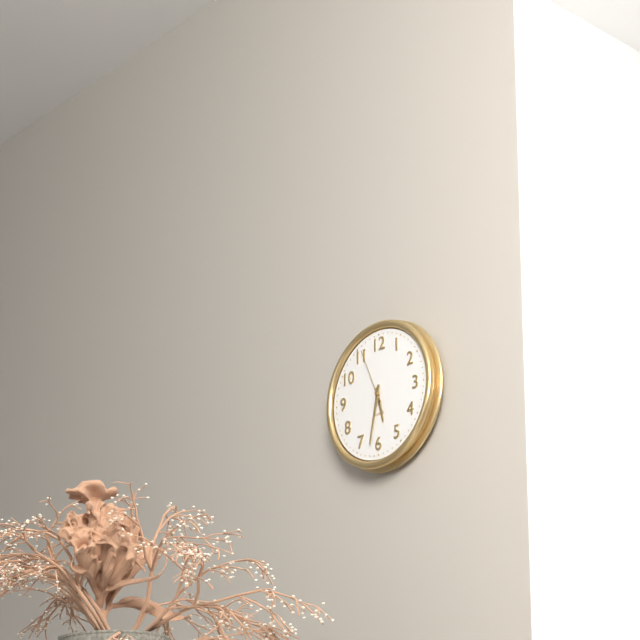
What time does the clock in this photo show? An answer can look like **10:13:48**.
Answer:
**5:32:56**
